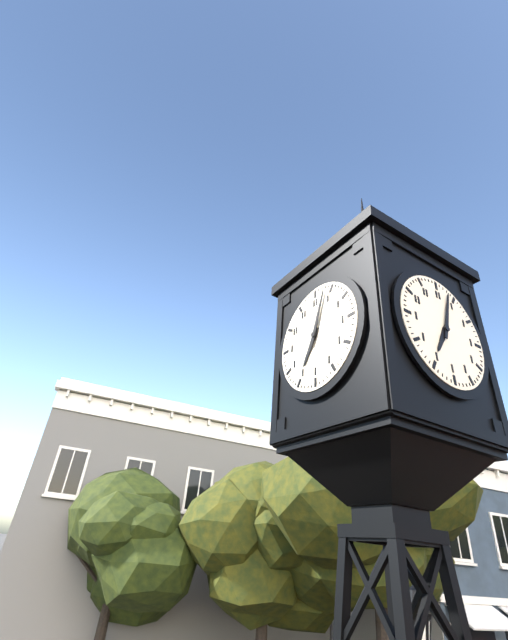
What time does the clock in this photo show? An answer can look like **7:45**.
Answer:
**7:03**
